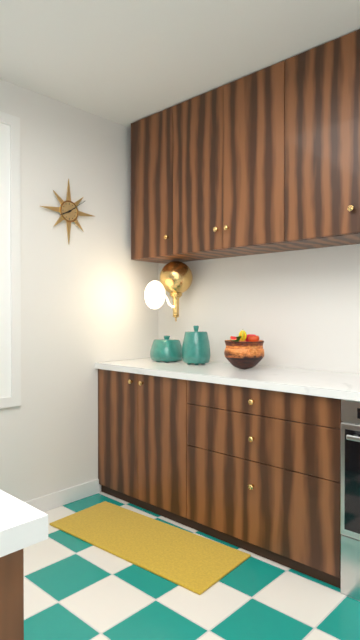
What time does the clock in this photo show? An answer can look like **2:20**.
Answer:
**8:09**
